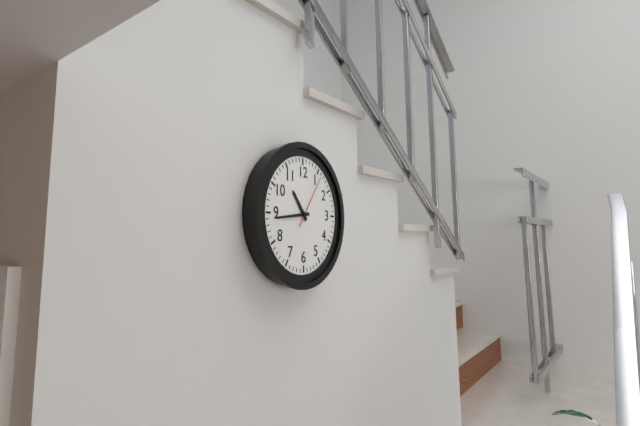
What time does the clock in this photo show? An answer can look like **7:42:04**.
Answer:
**10:44:06**
